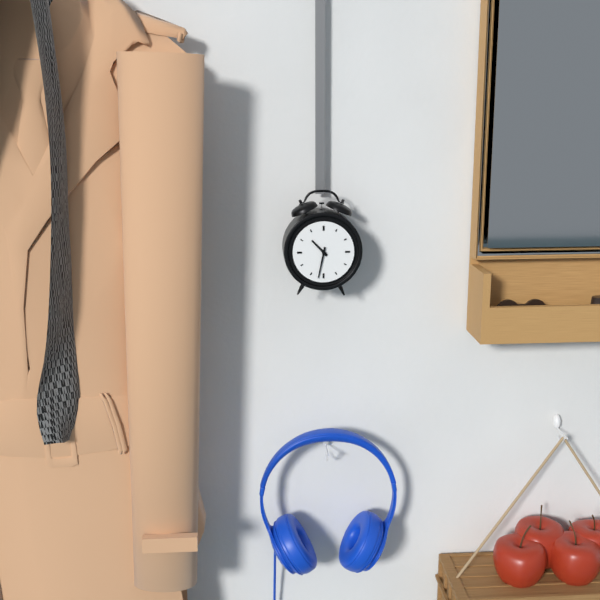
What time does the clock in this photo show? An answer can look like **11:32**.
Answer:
**10:32**
